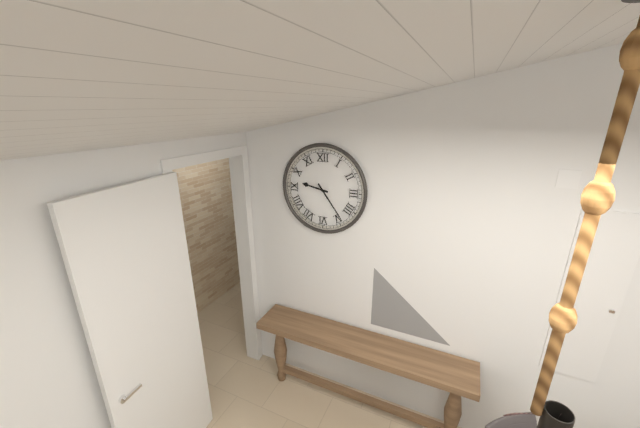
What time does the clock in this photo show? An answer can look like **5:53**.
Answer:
**9:24**
